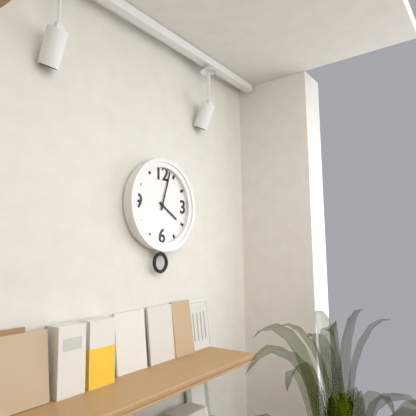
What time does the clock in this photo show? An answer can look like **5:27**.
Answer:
**4:03**
